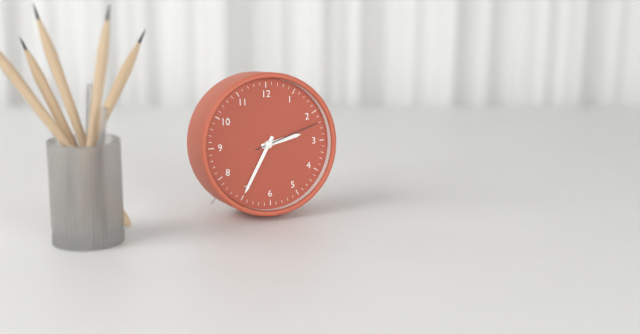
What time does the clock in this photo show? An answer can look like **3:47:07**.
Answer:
**2:35:12**
